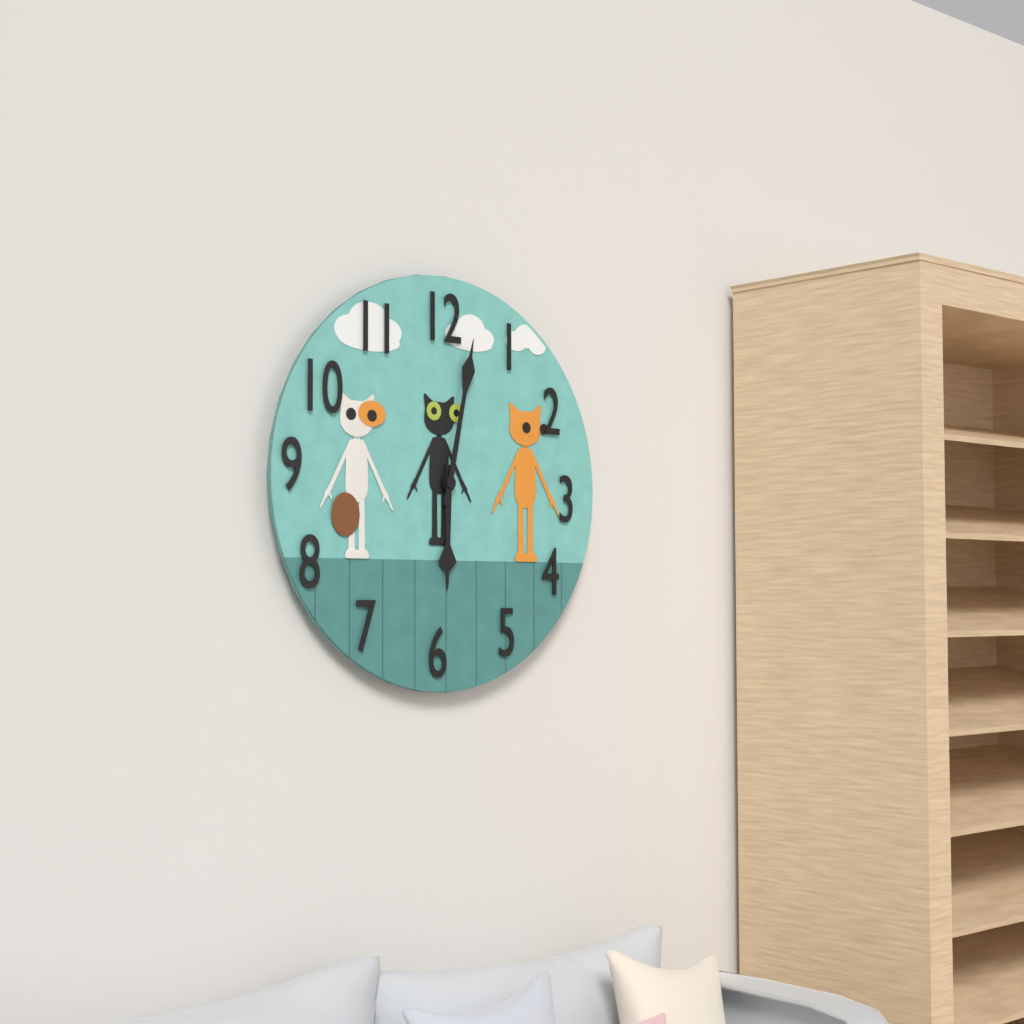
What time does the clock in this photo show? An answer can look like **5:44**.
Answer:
**6:02**
